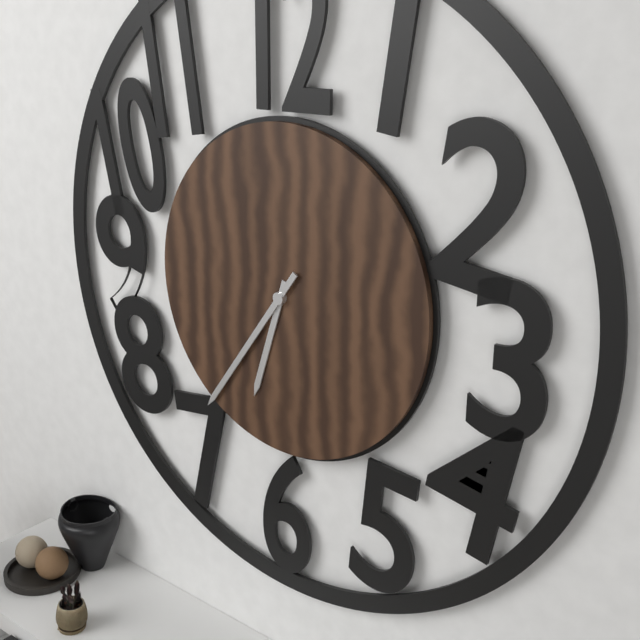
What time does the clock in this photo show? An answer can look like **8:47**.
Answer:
**6:36**
